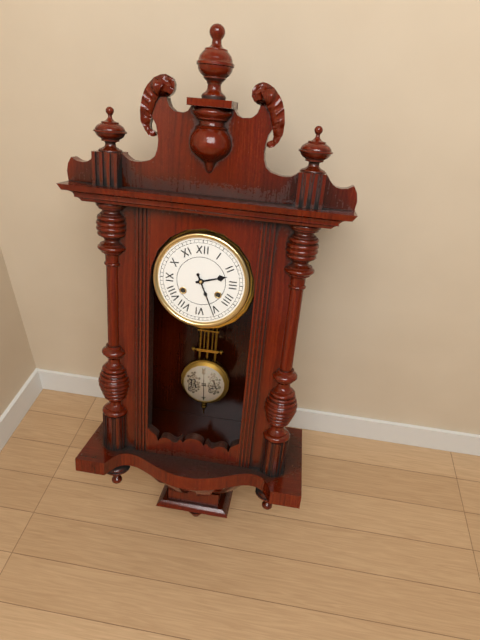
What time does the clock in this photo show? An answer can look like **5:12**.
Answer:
**2:26**
